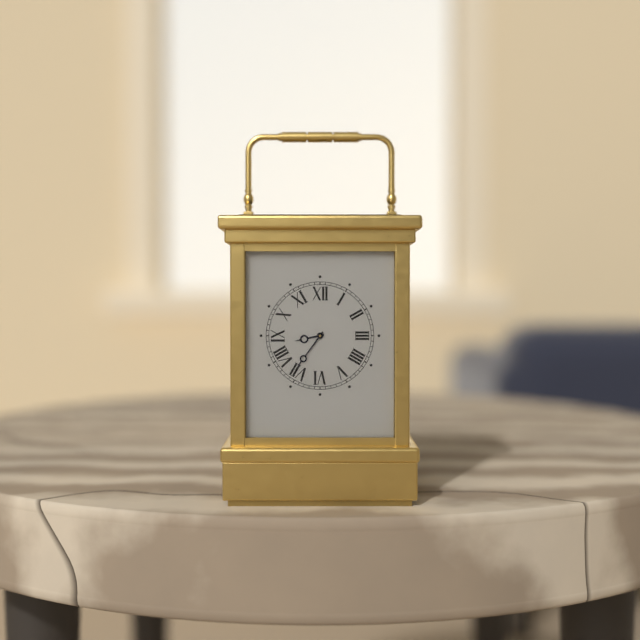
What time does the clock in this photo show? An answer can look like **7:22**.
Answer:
**8:36**
